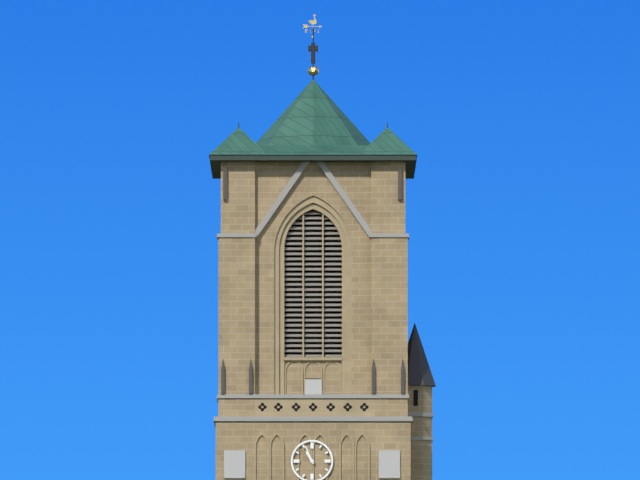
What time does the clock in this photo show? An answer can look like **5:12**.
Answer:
**10:56**
